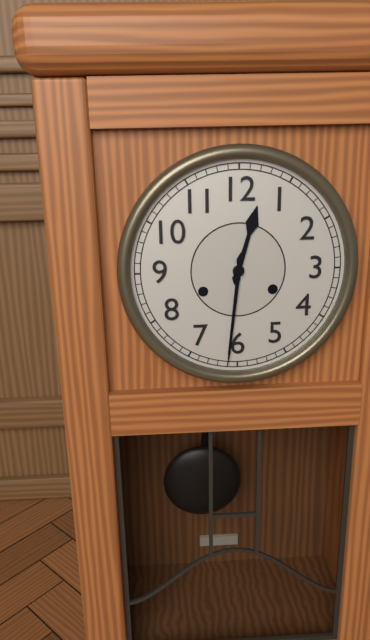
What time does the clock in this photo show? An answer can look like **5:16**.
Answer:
**12:31**
